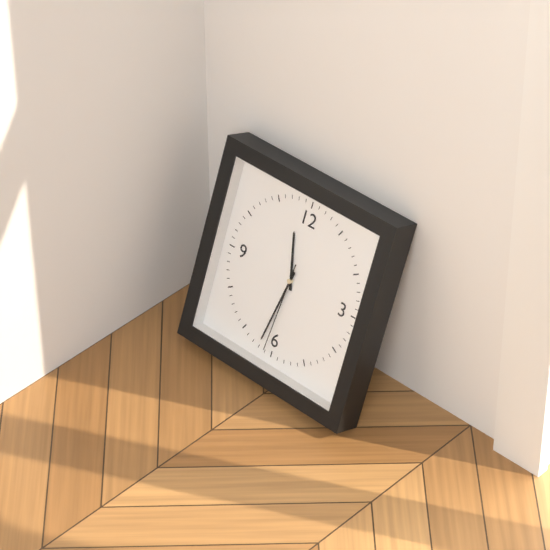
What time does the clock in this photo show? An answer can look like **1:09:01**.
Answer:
**11:32:31**
